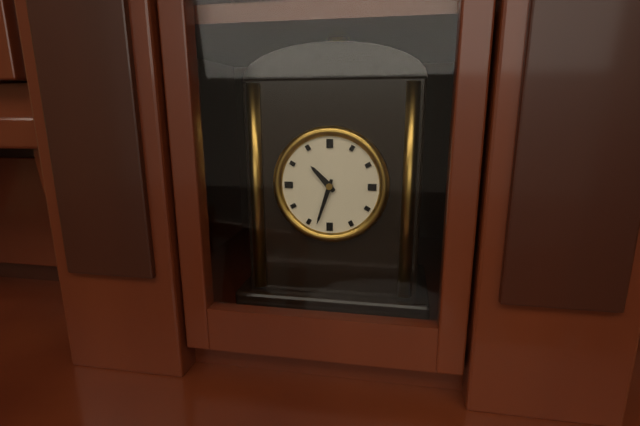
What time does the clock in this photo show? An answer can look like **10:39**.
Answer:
**10:33**
